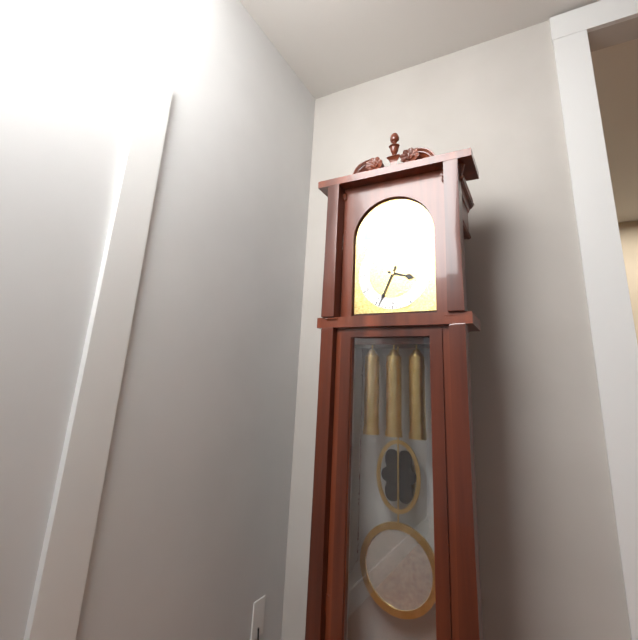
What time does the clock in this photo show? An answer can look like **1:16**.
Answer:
**3:34**
